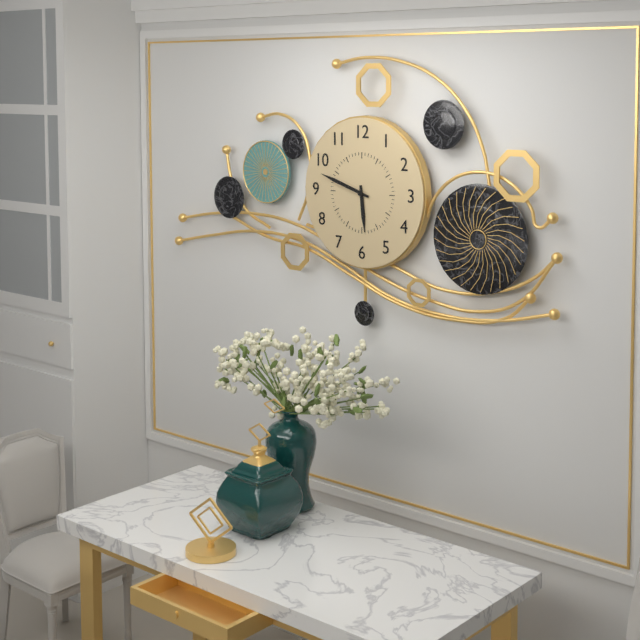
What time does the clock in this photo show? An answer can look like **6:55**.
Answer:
**5:48**
